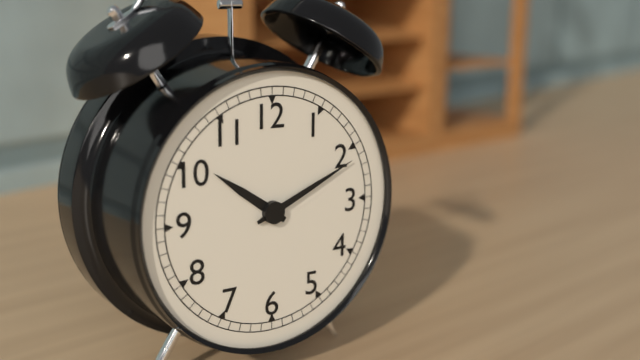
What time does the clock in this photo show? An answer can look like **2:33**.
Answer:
**10:11**
